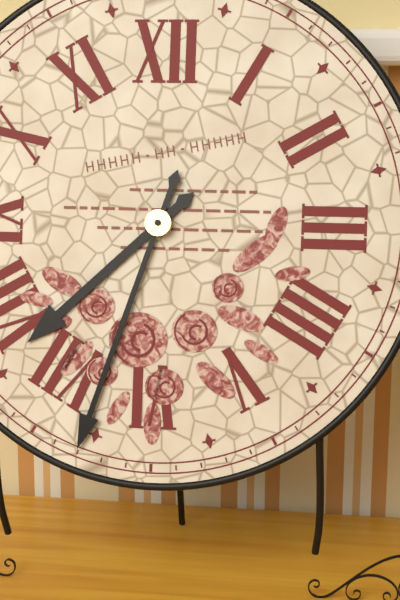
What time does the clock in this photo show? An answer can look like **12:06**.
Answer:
**7:33**
